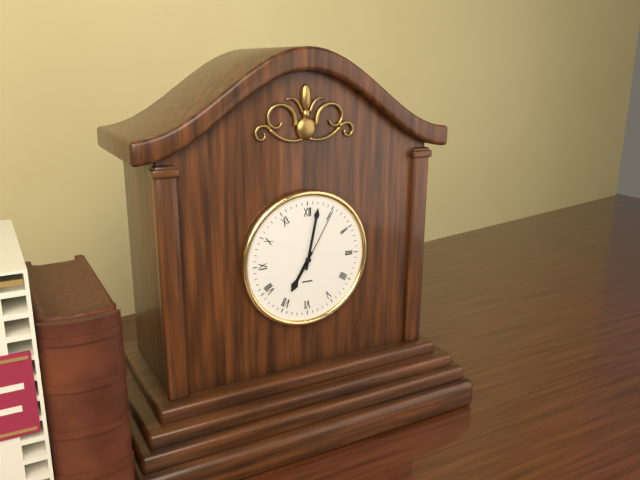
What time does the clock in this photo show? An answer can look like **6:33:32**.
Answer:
**7:02:05**
